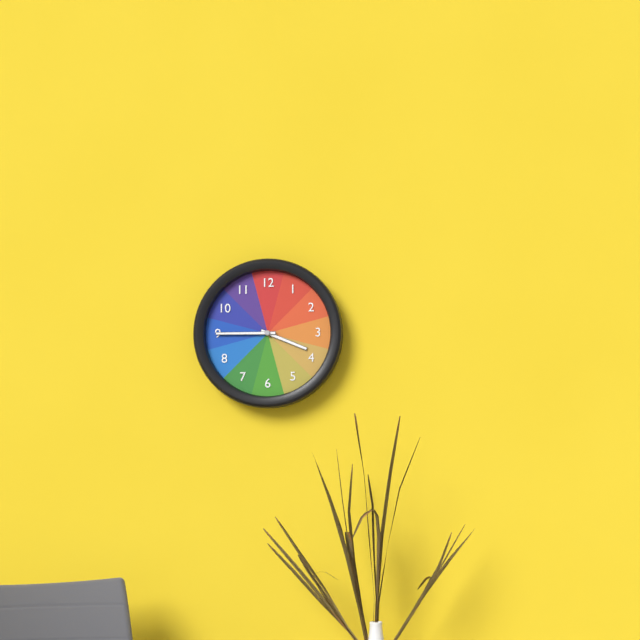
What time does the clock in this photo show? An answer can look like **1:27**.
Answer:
**3:45**
